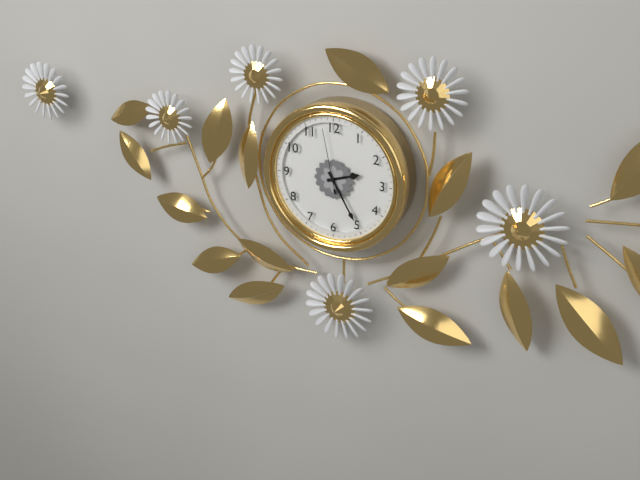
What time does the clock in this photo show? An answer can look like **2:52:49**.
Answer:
**2:25:58**
